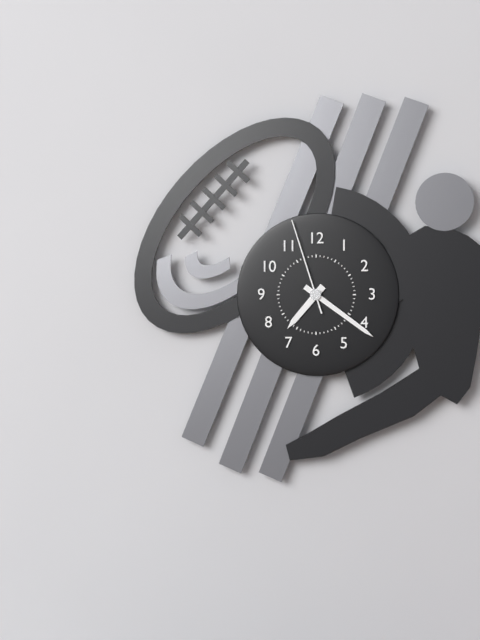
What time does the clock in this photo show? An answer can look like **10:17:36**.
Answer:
**7:21:57**
